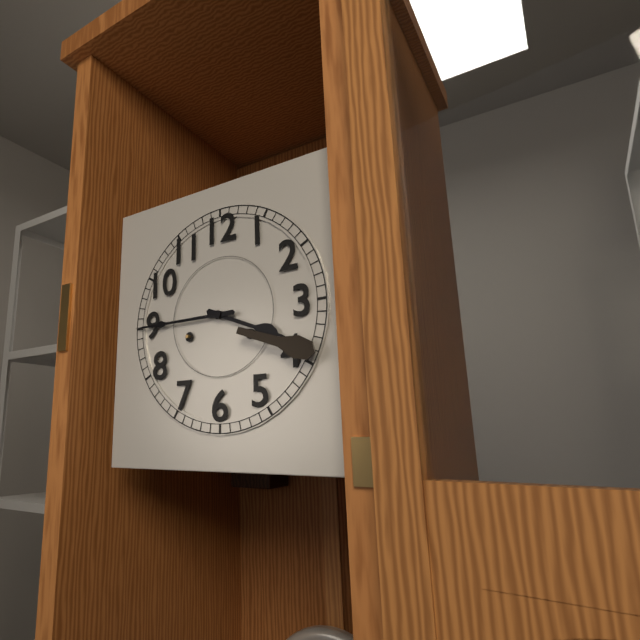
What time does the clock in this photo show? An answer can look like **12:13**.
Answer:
**3:45**
